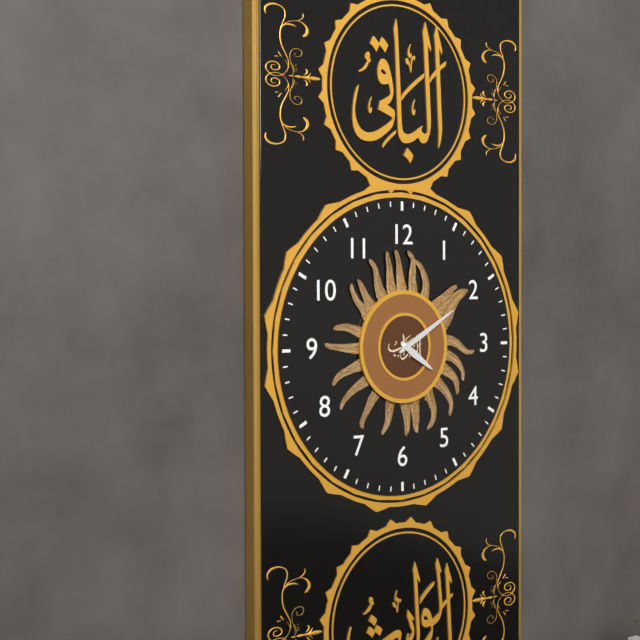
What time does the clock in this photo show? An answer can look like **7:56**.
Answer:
**4:10**
